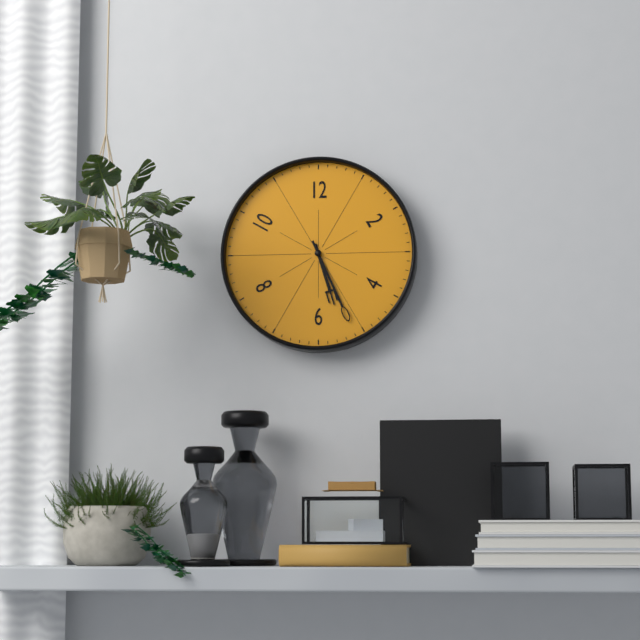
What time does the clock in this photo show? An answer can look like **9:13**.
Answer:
**5:26**
